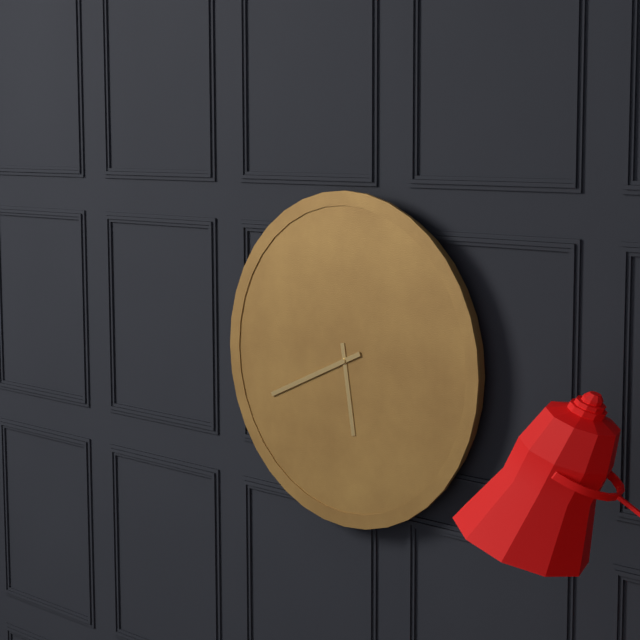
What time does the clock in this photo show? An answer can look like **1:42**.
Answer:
**5:41**
